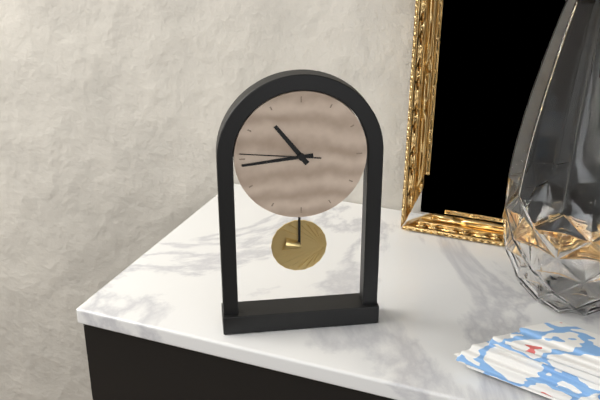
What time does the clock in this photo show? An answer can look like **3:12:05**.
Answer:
**10:44:46**
